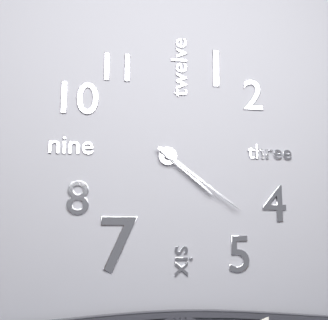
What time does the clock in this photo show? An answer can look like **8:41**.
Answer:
**4:21**
